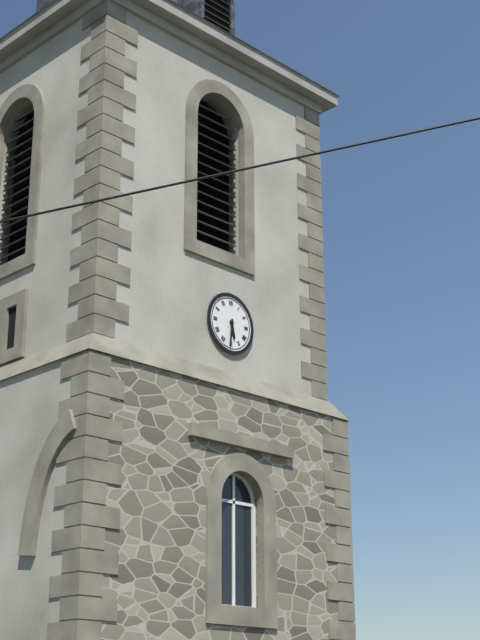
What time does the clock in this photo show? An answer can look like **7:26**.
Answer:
**5:31**
